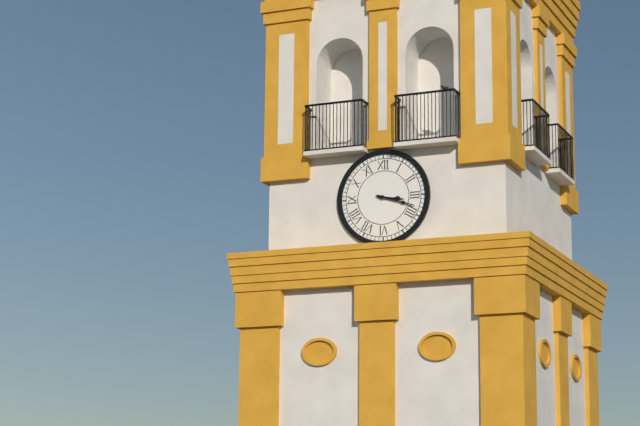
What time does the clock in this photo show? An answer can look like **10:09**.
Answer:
**3:18**
